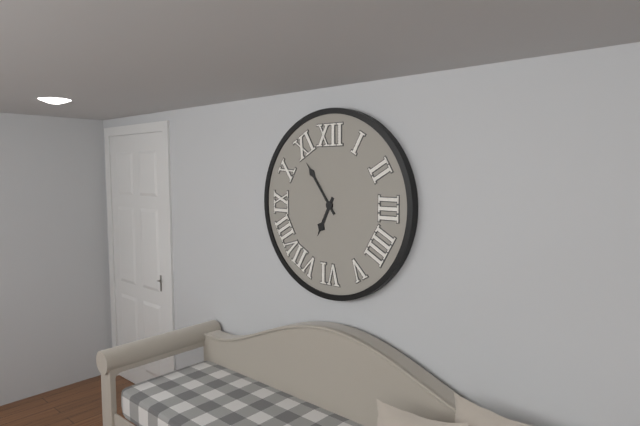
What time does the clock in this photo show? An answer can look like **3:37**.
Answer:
**6:54**
